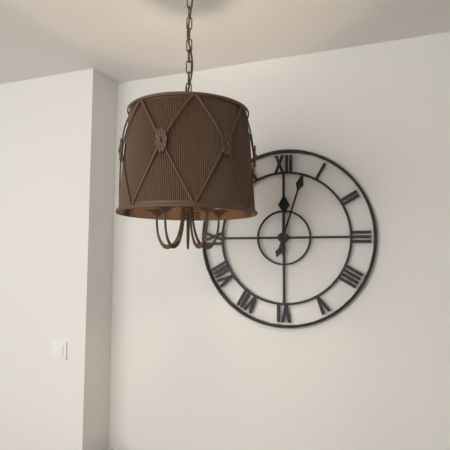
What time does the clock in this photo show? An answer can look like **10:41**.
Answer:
**12:03**
